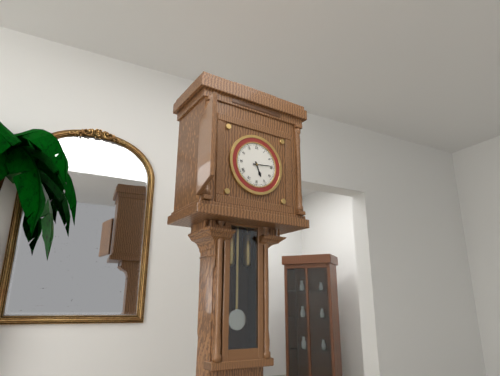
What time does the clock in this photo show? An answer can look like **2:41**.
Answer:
**5:14**
